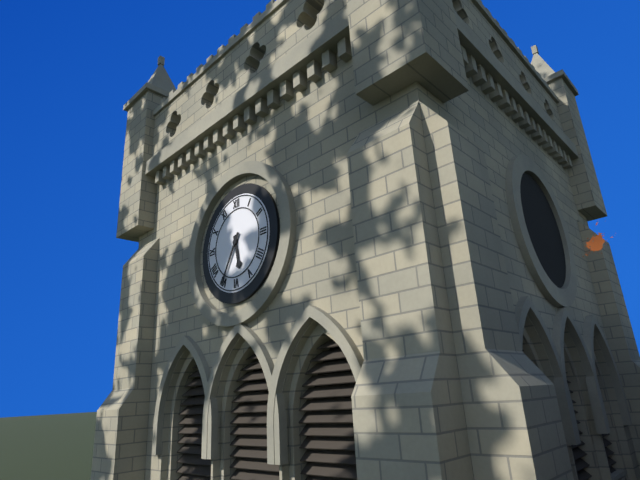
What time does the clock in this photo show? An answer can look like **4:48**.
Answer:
**5:35**
